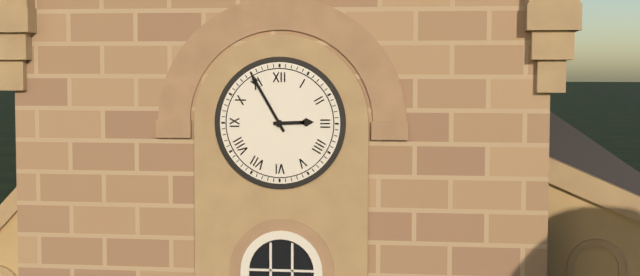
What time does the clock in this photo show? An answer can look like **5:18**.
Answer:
**2:55**
